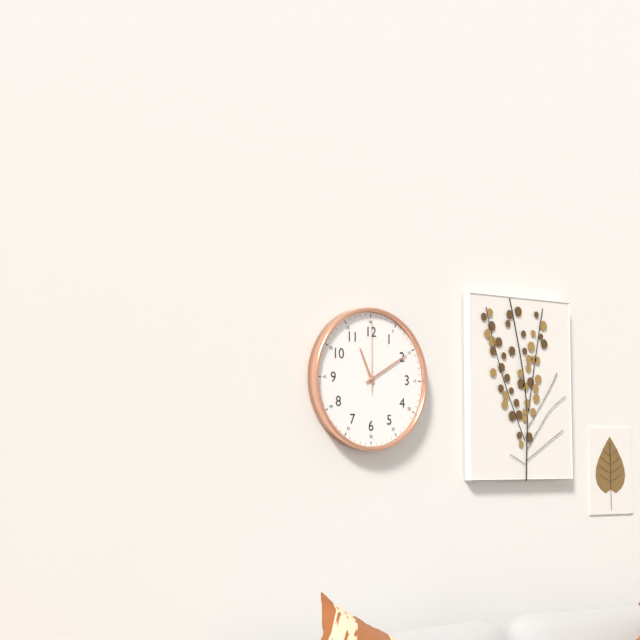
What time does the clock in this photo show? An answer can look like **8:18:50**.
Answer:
**11:10:00**
